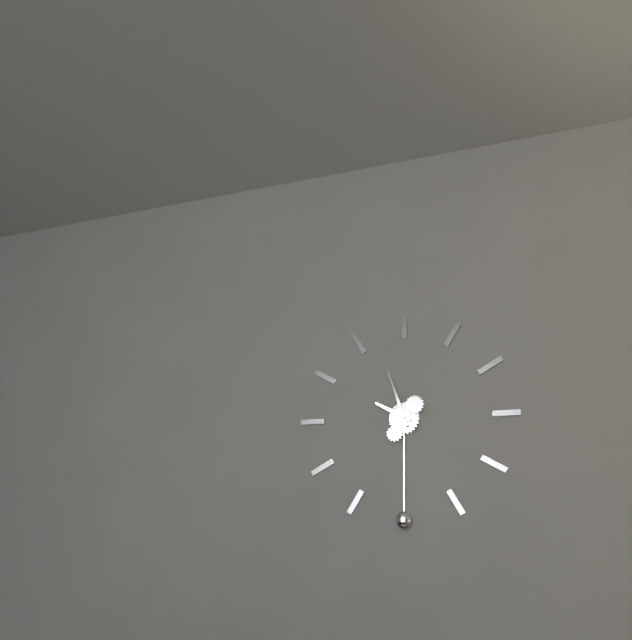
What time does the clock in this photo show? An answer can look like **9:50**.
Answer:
**9:57**
